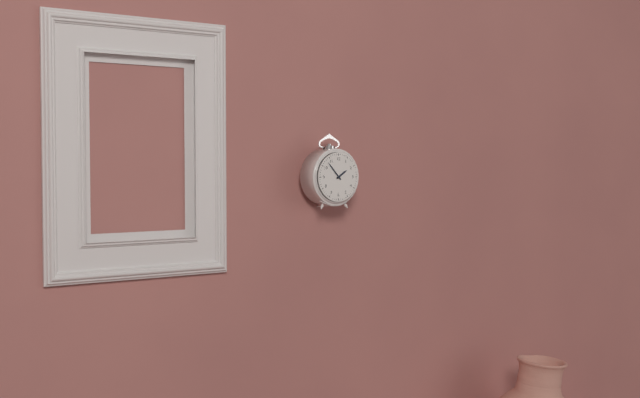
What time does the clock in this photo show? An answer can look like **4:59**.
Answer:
**1:53**
